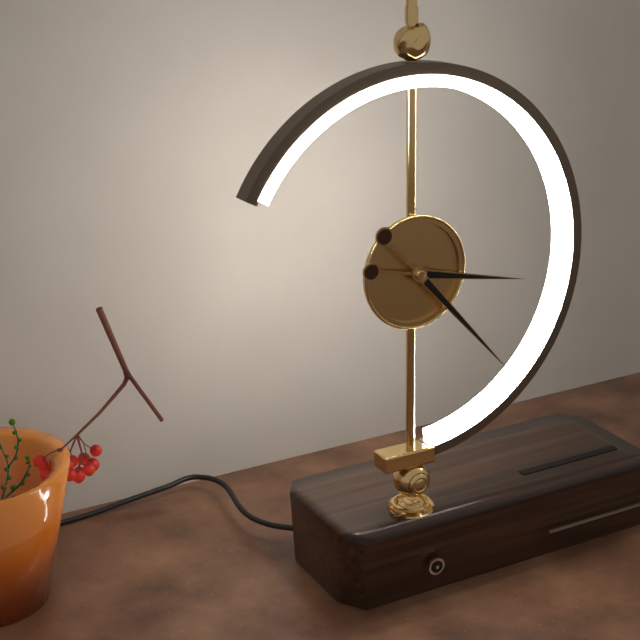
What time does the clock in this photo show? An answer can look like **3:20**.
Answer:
**3:23**
